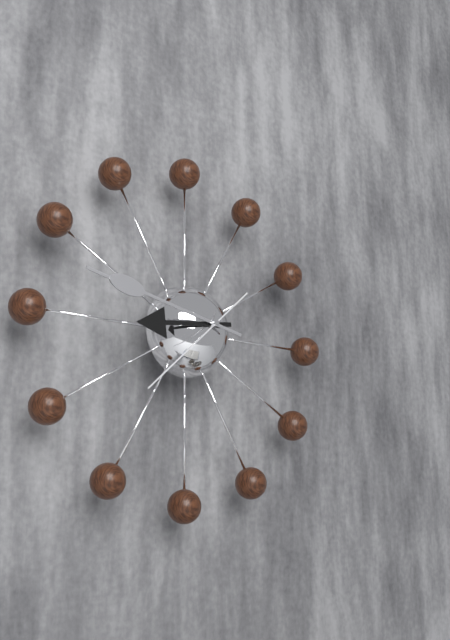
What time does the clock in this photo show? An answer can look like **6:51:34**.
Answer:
**8:47:38**
